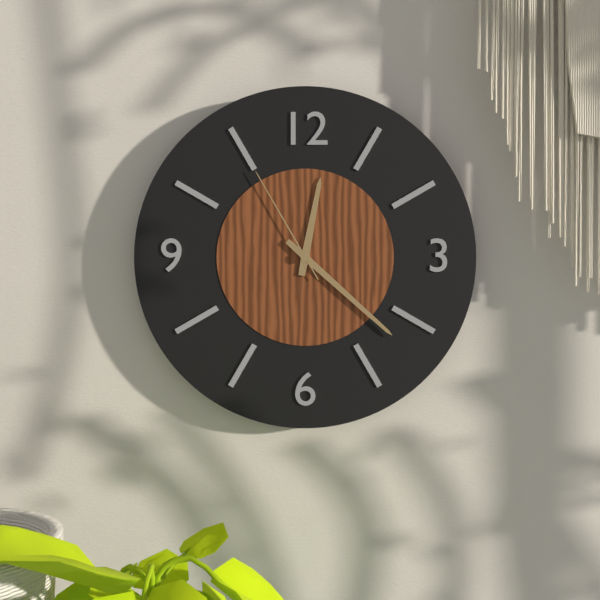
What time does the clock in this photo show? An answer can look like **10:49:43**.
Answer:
**12:22:55**
